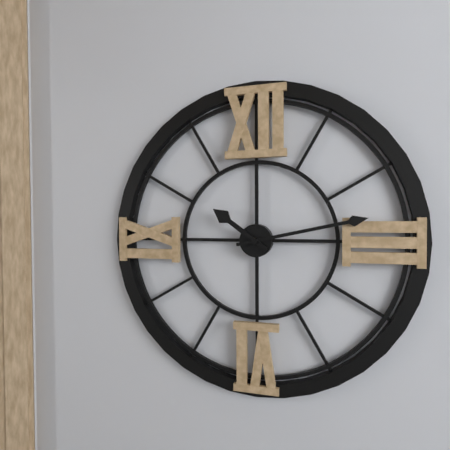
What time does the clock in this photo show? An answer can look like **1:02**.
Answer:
**10:13**
